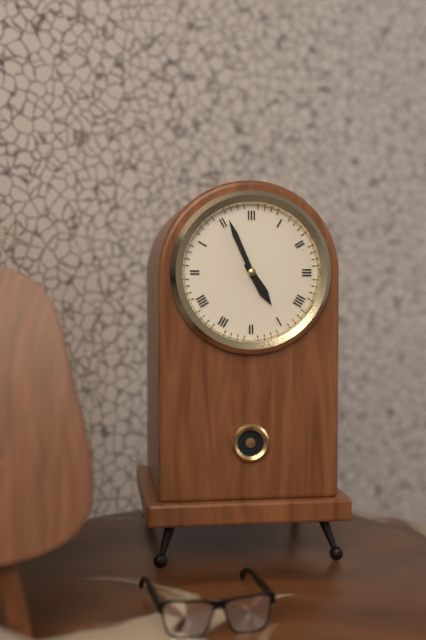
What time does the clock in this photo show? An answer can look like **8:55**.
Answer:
**4:56**
